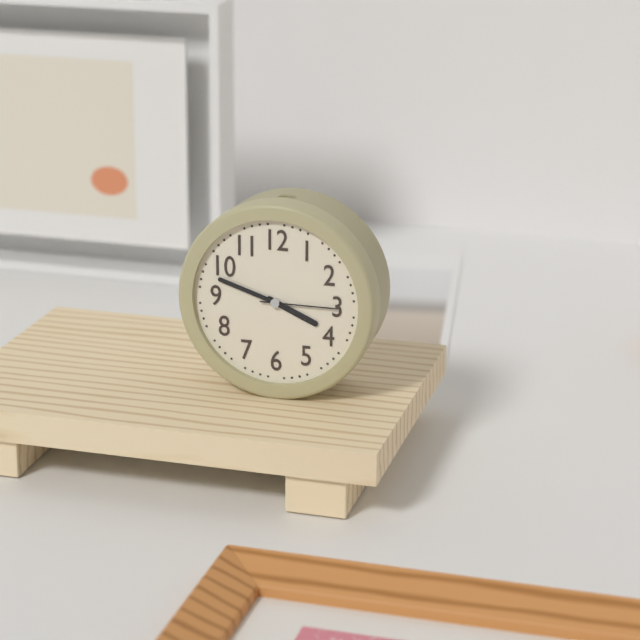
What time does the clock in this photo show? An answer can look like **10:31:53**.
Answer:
**3:48:15**
